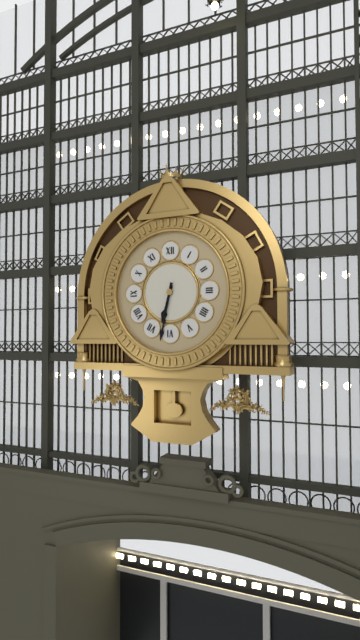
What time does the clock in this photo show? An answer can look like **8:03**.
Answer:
**6:32**
